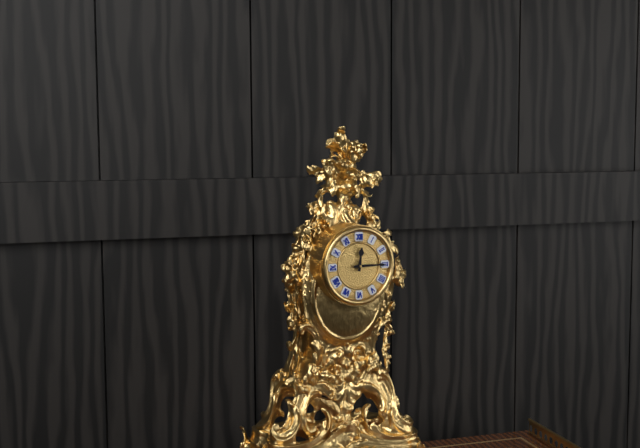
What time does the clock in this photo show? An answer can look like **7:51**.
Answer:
**12:15**
